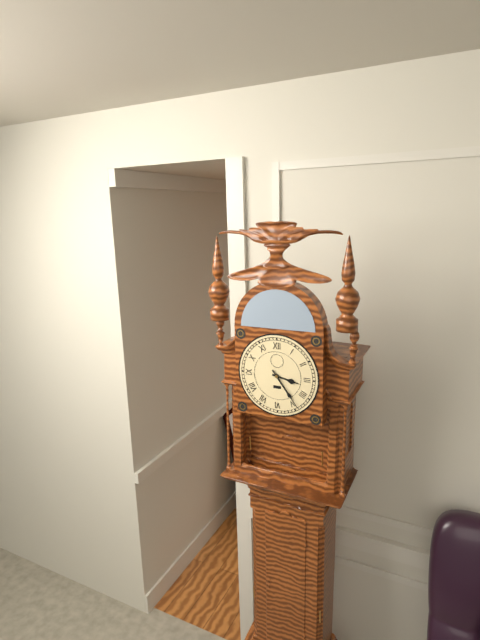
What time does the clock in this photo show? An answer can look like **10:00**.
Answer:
**3:24**
